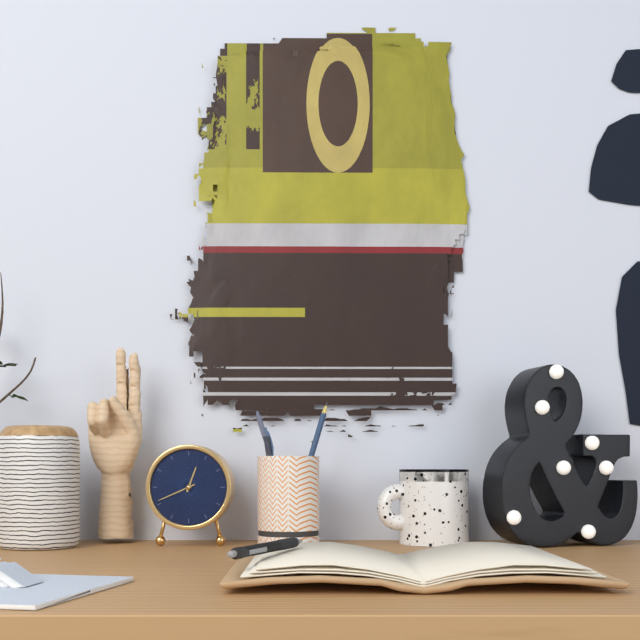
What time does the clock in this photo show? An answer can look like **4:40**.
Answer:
**12:41**
